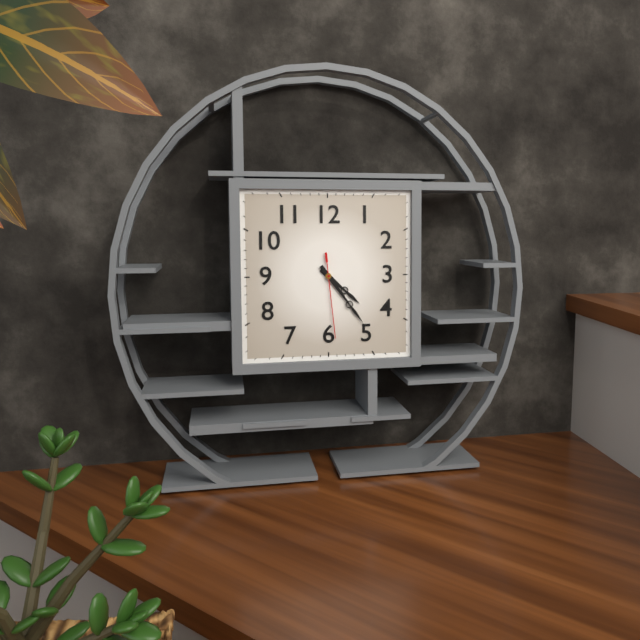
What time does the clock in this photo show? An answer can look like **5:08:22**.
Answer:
**4:24:29**
